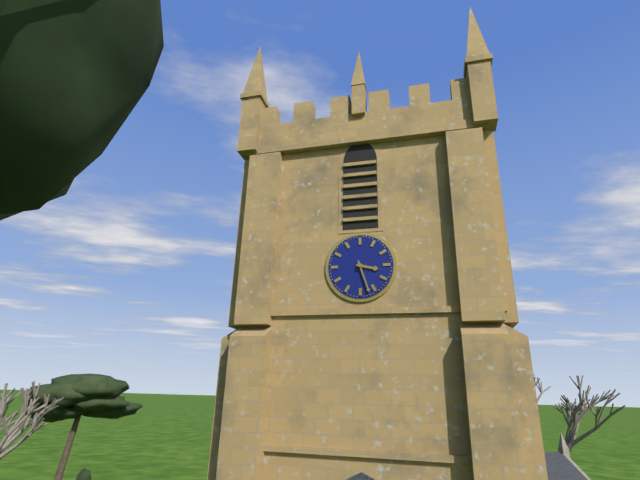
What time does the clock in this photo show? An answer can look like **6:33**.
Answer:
**3:27**
